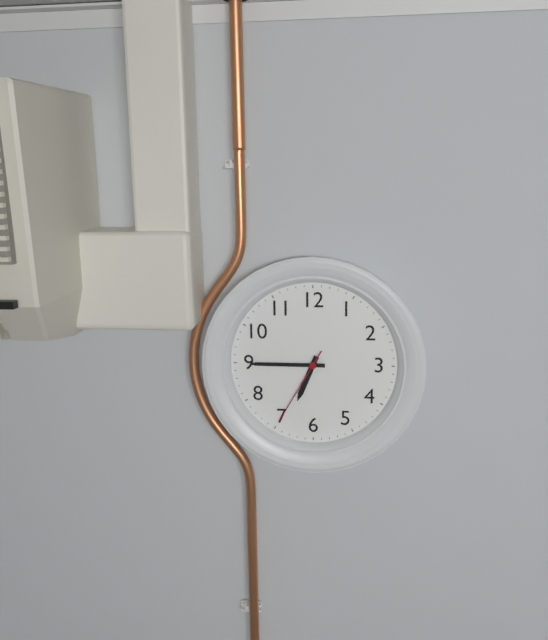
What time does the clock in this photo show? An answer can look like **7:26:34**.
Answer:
**6:45:35**
